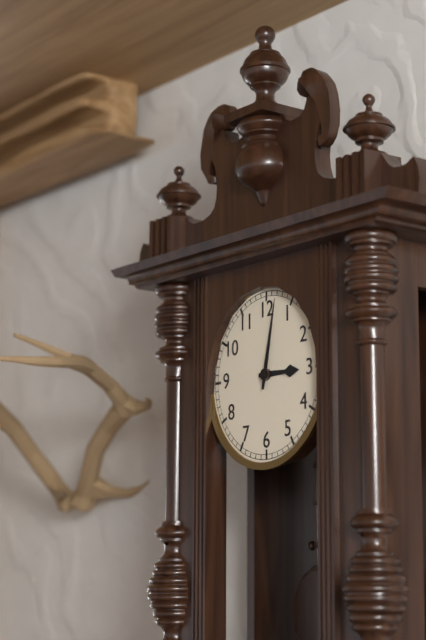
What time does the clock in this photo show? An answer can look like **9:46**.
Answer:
**3:02**
